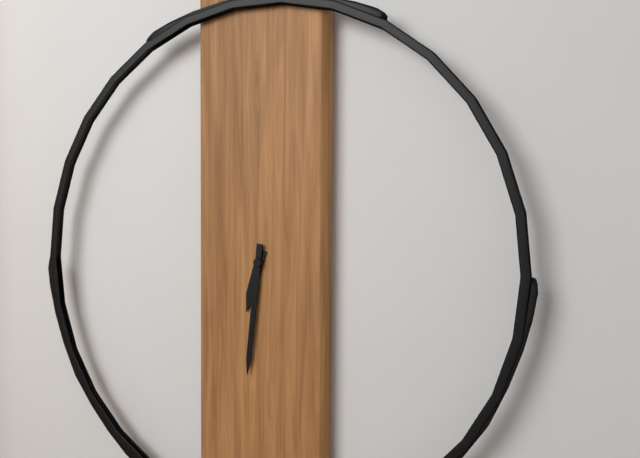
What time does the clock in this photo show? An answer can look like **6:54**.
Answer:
**6:31**
